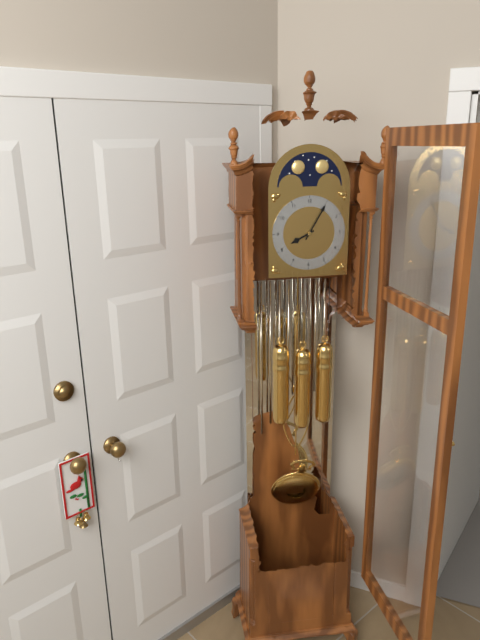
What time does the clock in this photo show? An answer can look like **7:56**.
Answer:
**8:05**
